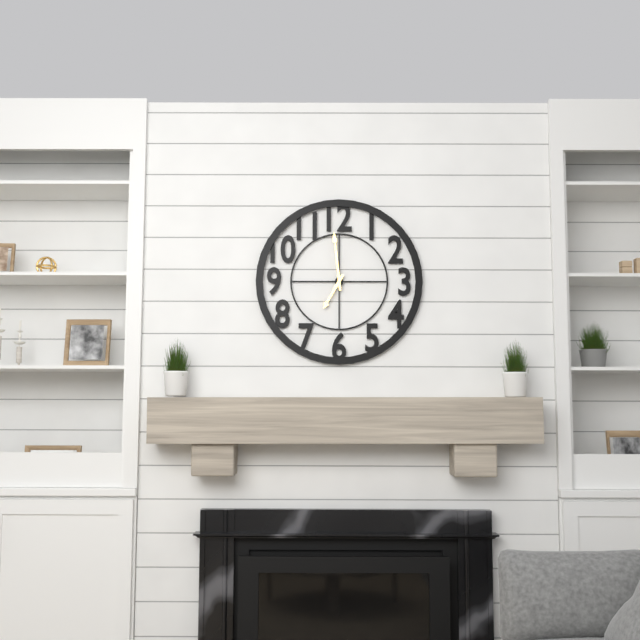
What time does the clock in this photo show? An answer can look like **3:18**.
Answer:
**6:59**
